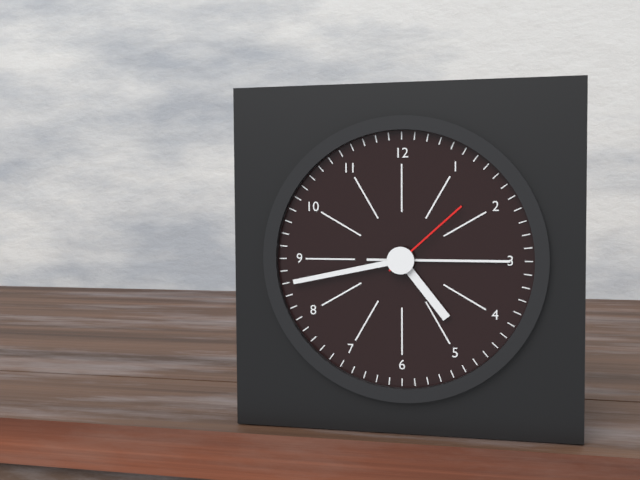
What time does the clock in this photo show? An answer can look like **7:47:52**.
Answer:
**4:43:08**
